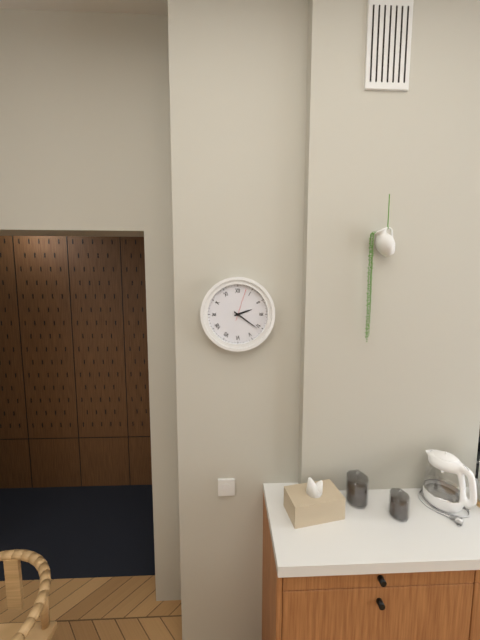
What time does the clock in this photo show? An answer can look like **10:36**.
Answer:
**2:21**
